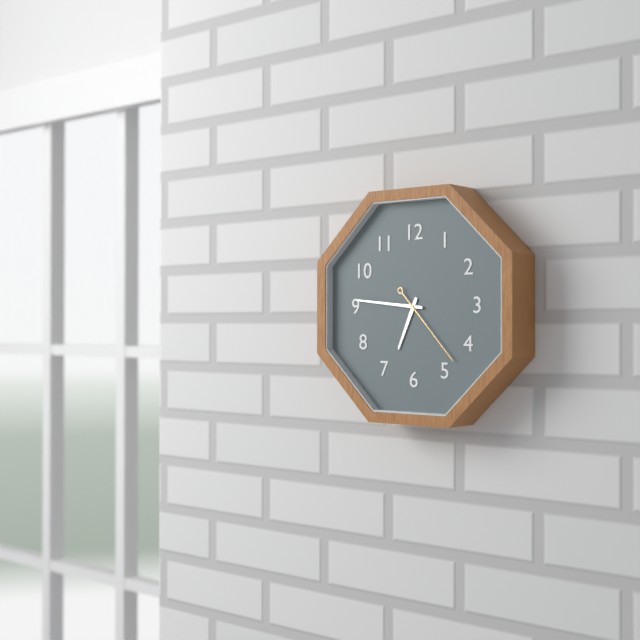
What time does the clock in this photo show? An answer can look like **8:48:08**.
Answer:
**6:46:23**
